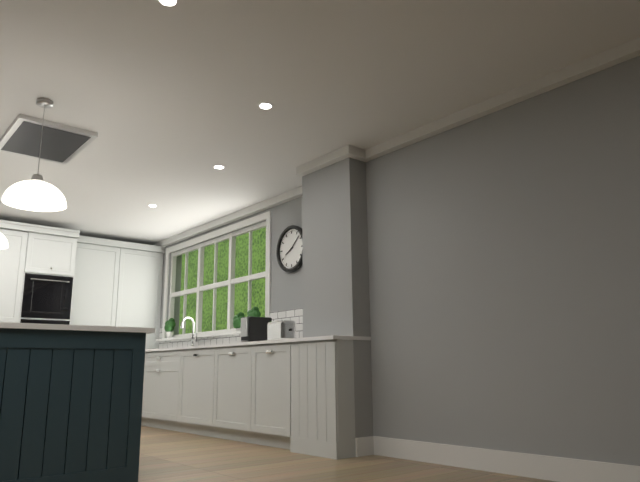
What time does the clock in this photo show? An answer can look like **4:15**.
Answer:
**8:08**
